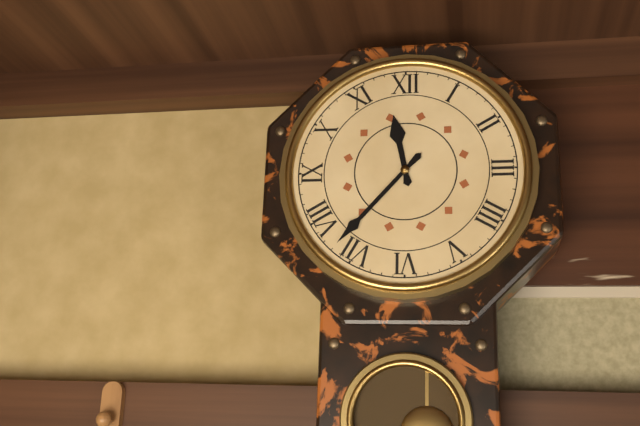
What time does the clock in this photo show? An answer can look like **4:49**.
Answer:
**11:37**
